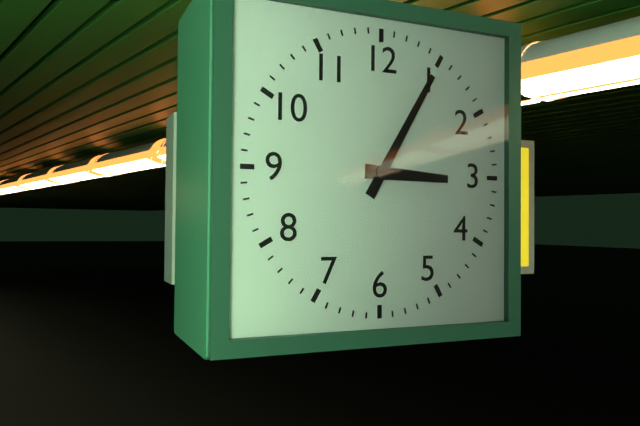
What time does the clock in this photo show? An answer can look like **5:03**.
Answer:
**3:05**
